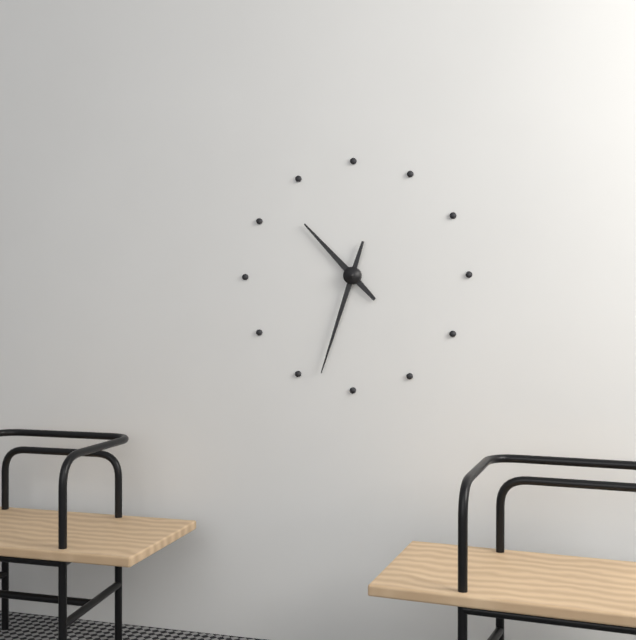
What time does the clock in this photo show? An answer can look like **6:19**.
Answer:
**10:33**
